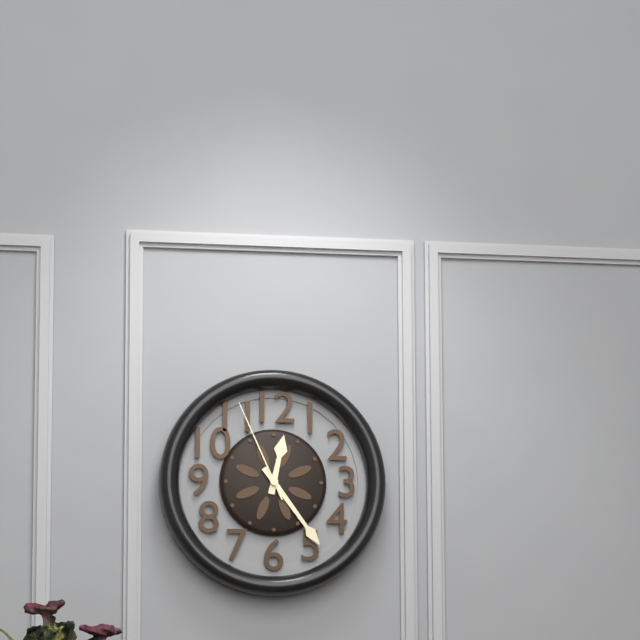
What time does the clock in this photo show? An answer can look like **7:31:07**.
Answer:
**12:24:56**
